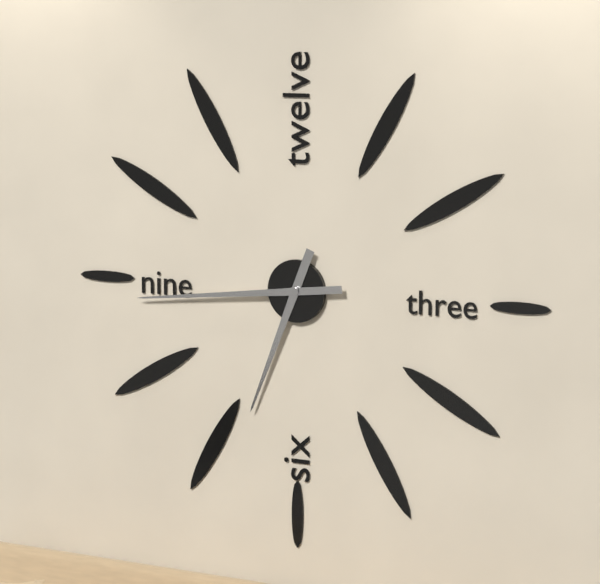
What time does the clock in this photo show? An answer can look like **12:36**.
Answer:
**6:44**
